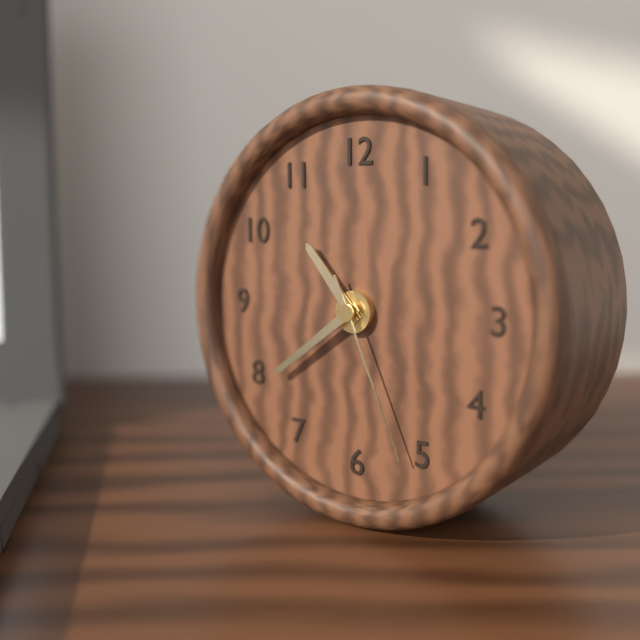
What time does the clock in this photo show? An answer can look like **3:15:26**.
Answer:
**10:39:26**
